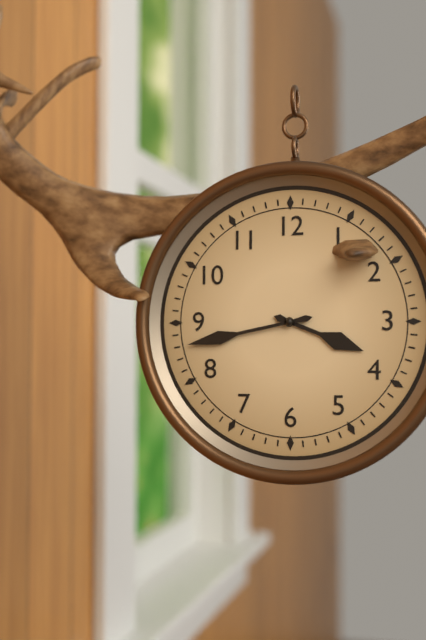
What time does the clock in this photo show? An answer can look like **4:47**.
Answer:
**3:43**
